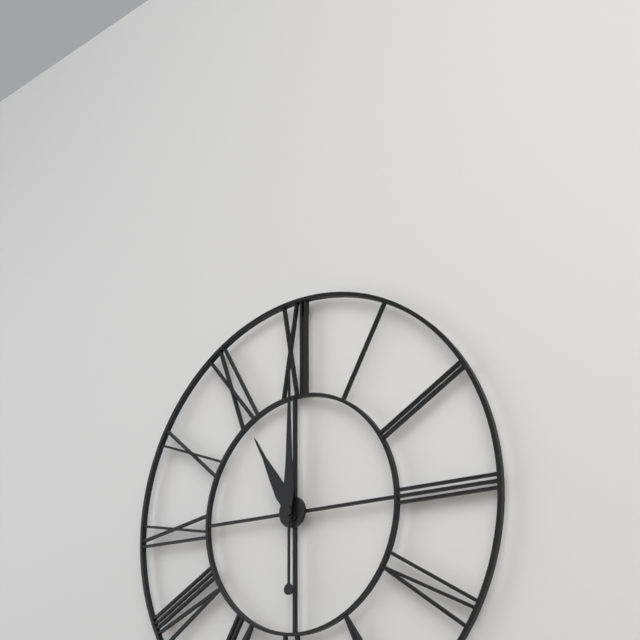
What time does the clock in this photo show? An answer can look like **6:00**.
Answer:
**11:00**
